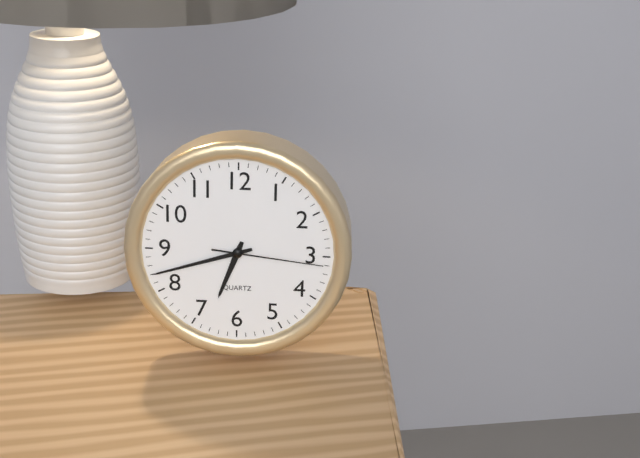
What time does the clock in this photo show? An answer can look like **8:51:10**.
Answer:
**6:42:16**
